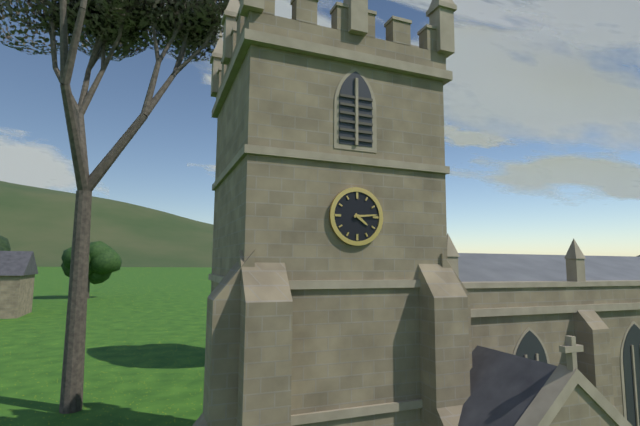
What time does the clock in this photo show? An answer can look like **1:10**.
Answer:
**4:14**
